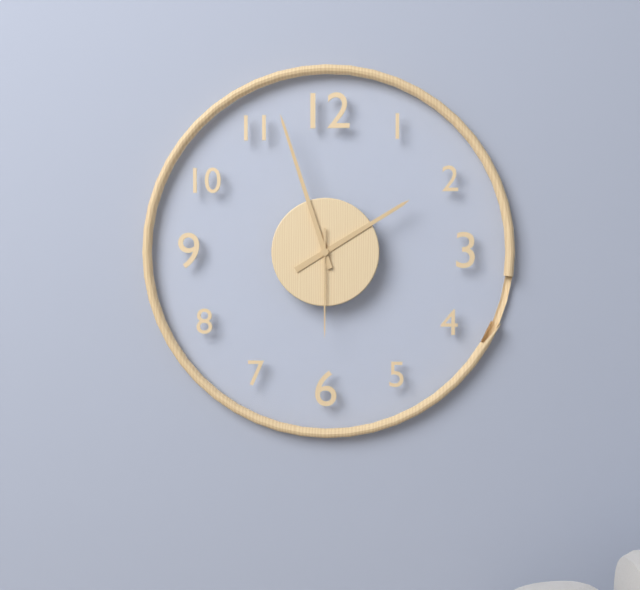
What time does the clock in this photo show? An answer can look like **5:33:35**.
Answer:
**1:57:30**
